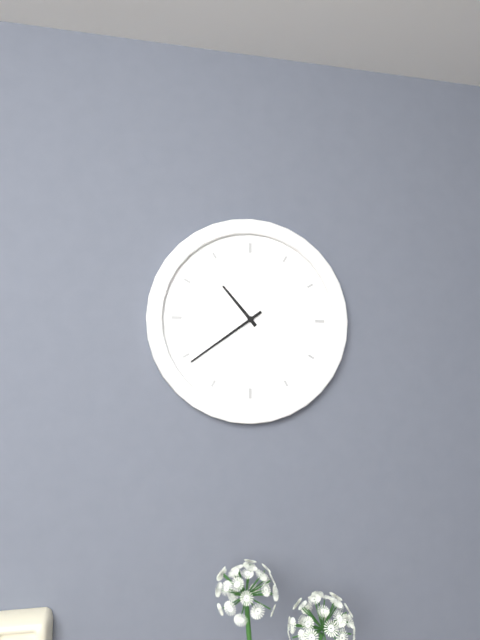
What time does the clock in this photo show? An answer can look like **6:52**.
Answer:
**10:39**
